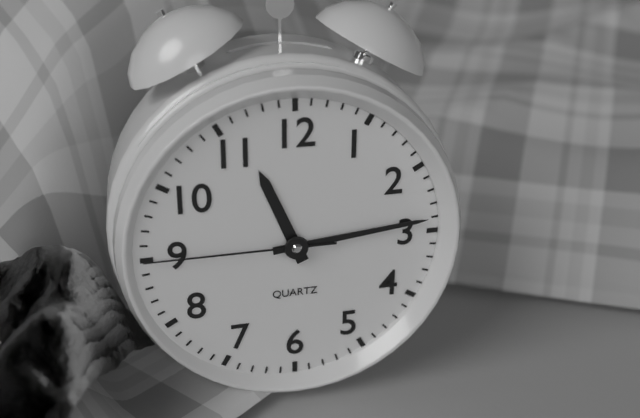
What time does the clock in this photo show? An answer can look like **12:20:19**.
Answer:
**11:14:45**
